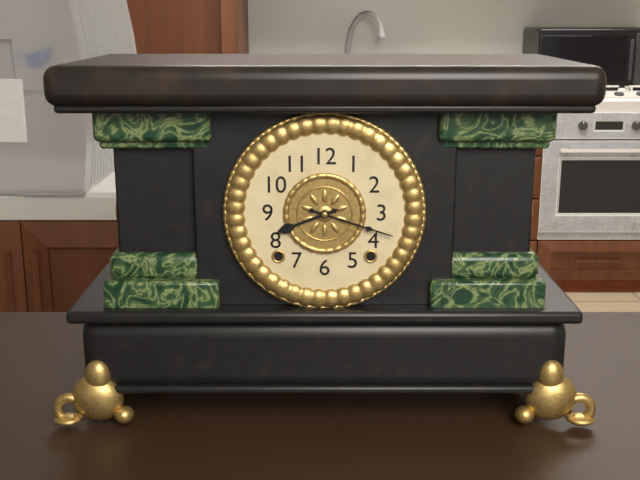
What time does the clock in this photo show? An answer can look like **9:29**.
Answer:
**8:18**
